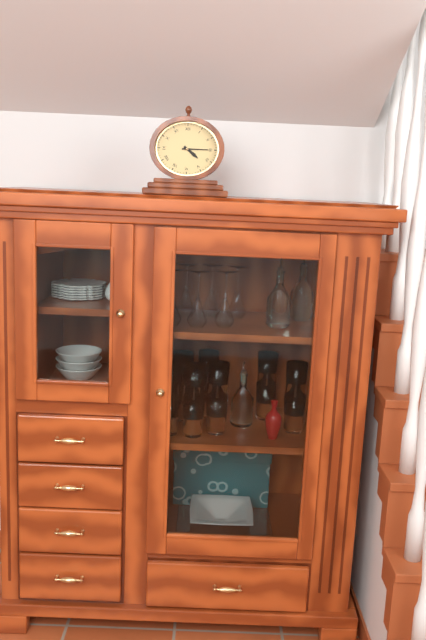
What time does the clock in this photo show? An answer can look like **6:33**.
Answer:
**4:15**
